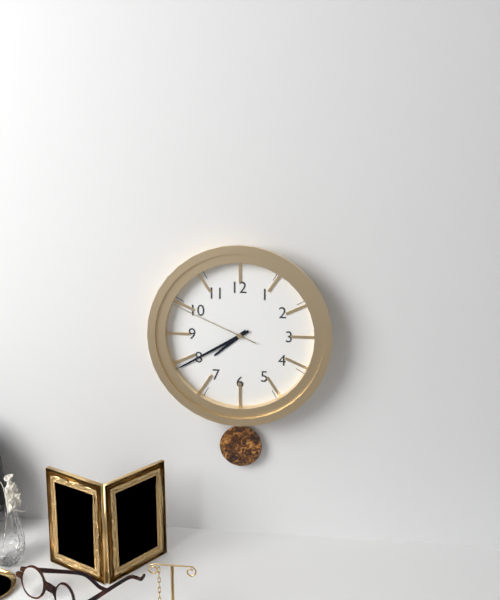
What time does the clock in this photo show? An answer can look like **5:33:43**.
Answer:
**7:40:49**
